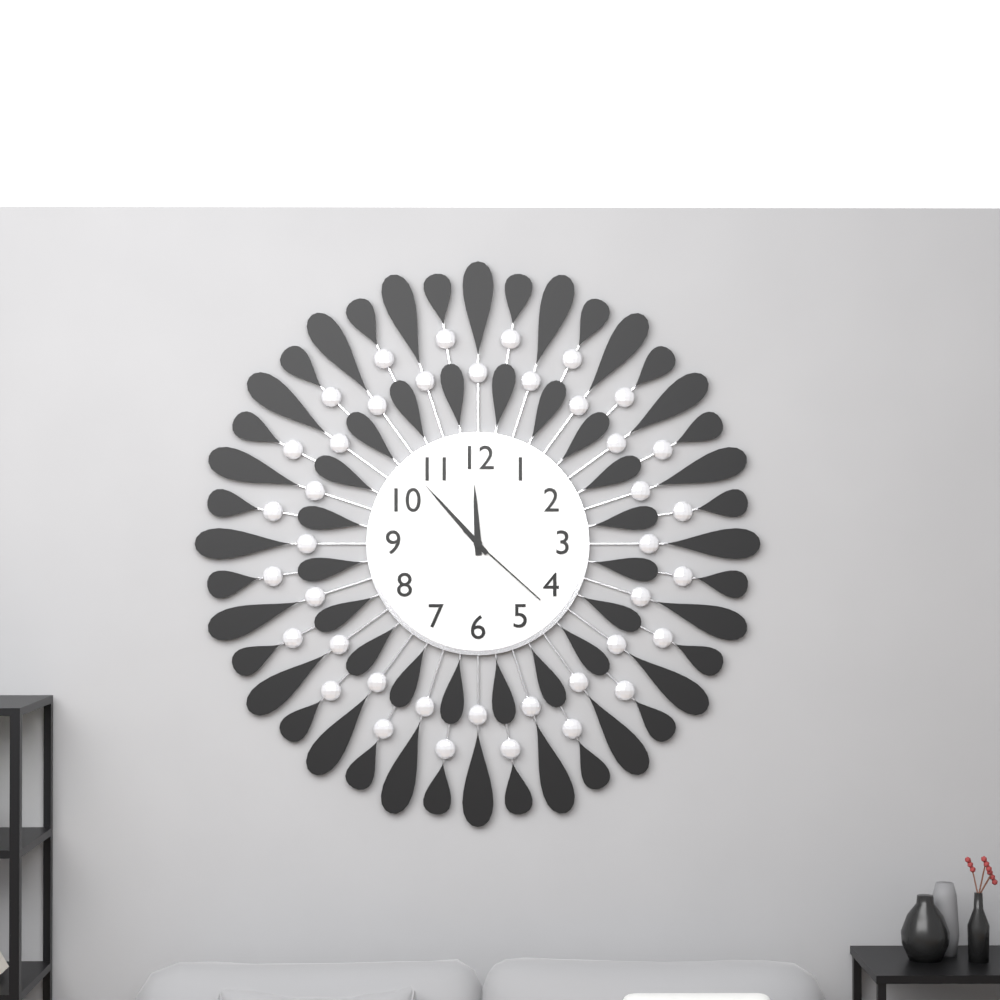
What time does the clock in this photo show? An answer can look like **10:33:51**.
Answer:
**11:53:22**
